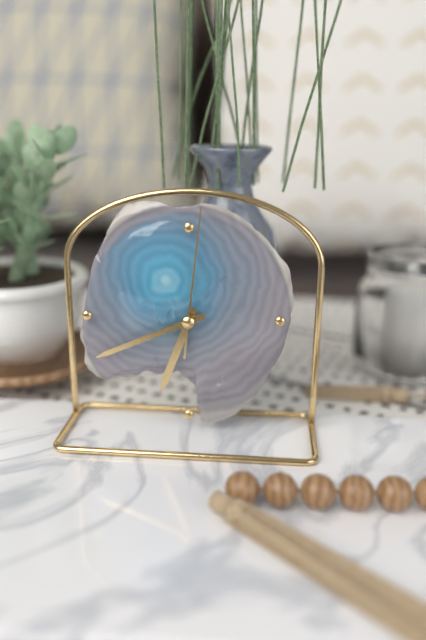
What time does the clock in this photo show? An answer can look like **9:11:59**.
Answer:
**6:41:01**
